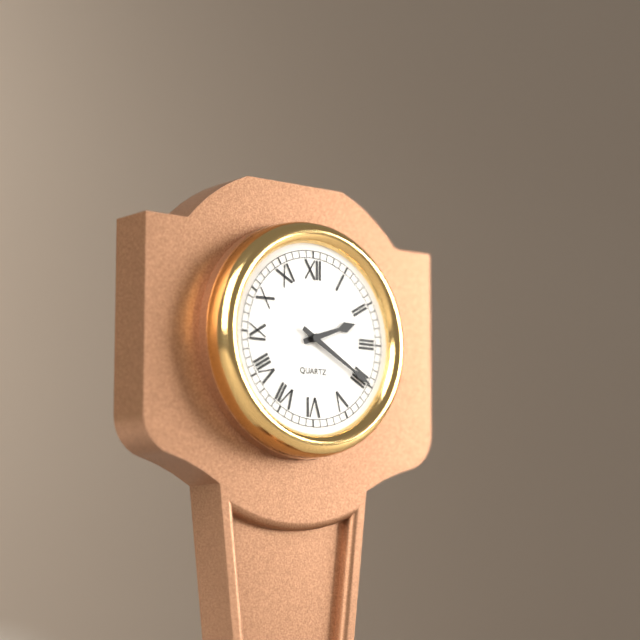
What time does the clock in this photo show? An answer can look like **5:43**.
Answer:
**2:20**
